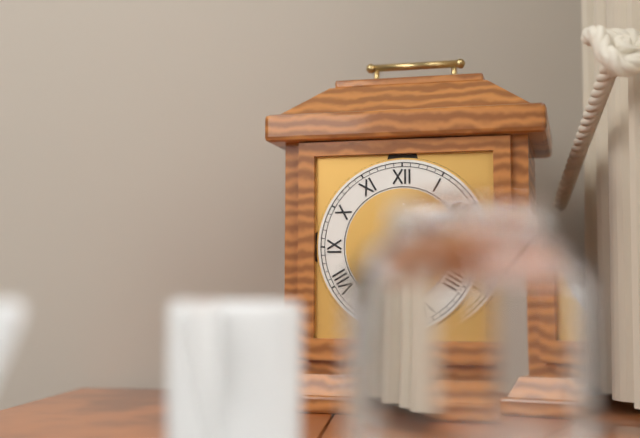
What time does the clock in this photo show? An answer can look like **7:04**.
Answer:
**6:09**
